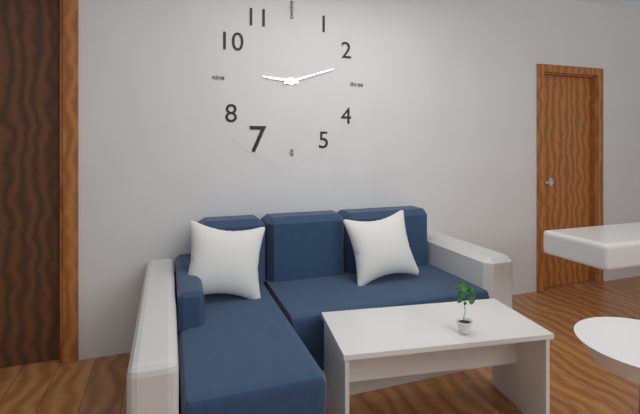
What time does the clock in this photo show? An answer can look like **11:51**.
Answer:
**9:12**
